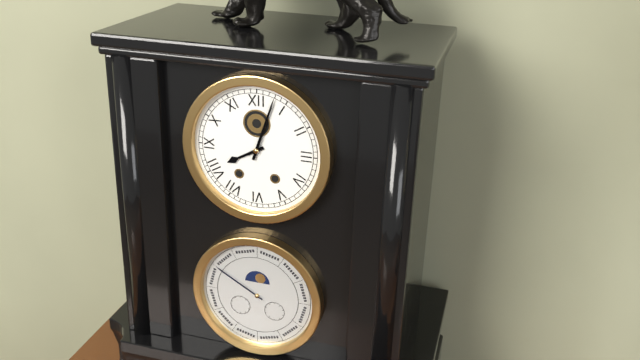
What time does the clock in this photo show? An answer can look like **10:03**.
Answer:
**8:03**
